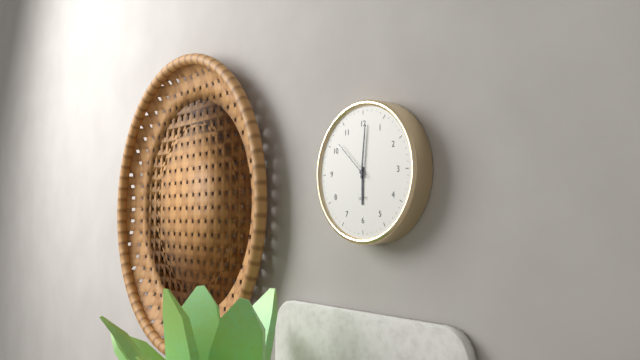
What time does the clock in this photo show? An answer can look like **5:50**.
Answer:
**6:01**
